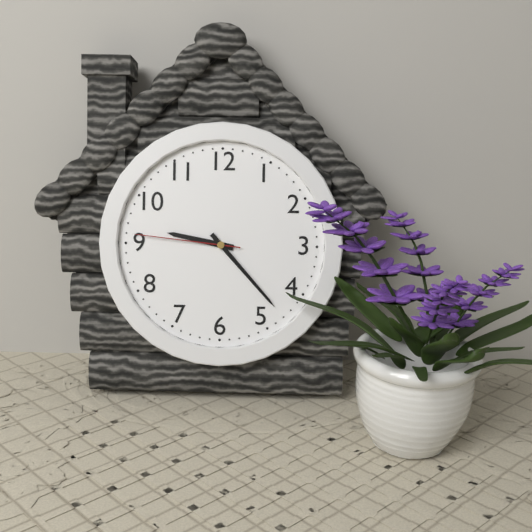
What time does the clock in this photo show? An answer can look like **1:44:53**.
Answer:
**9:23:46**
